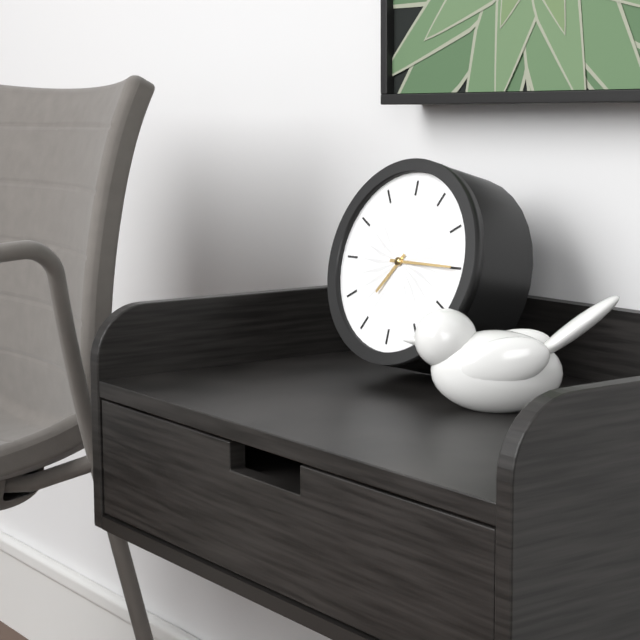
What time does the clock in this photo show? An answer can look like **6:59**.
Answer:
**7:15**
